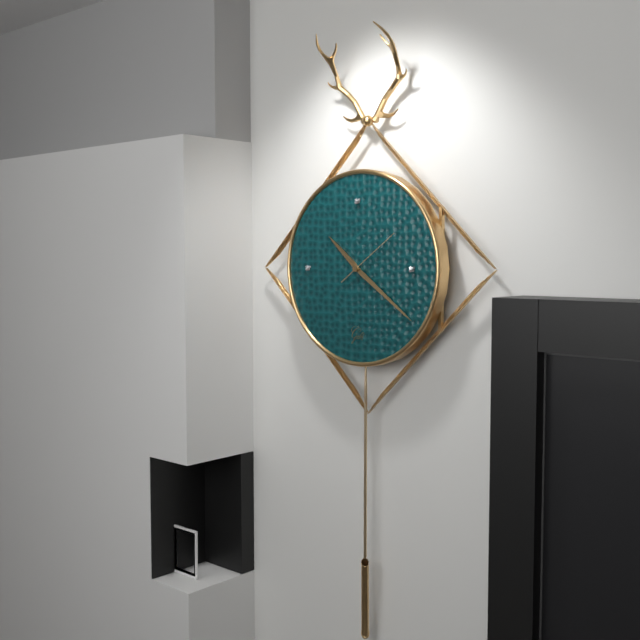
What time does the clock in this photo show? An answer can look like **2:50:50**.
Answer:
**10:21:09**
